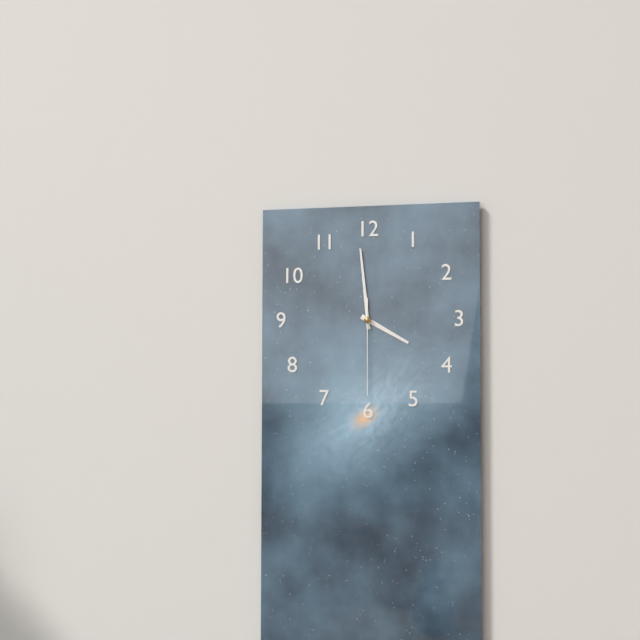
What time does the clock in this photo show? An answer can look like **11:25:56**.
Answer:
**3:59:30**
